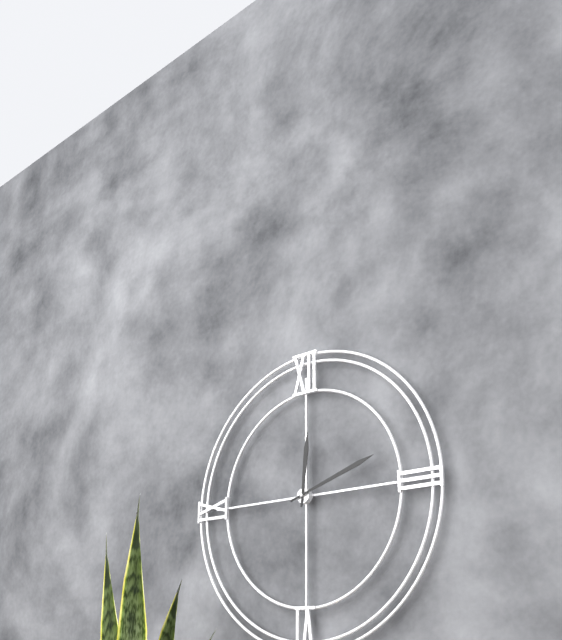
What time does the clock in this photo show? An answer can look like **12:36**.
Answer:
**12:12**
